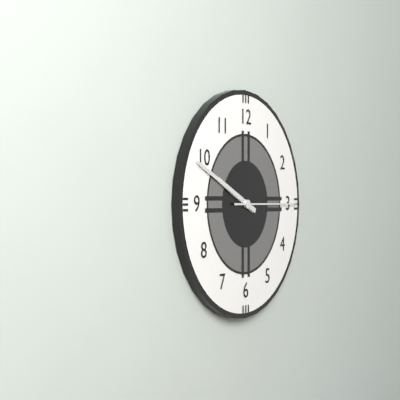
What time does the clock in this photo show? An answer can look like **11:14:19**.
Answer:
**9:49:15**
